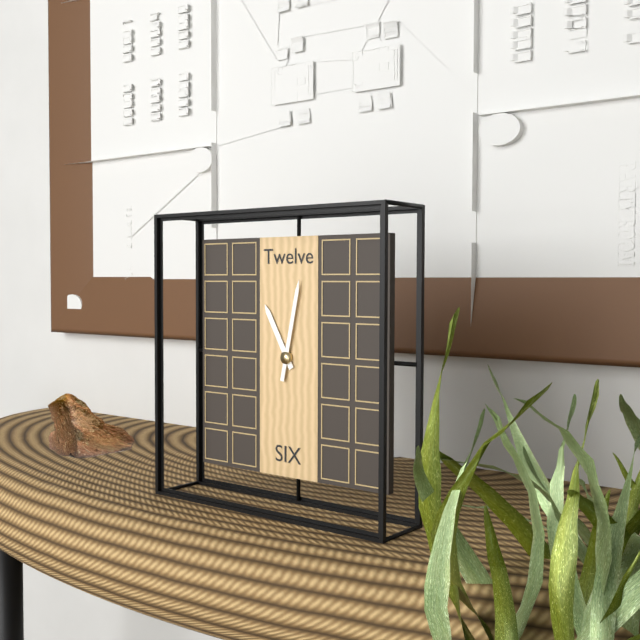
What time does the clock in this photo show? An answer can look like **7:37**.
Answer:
**11:02**
